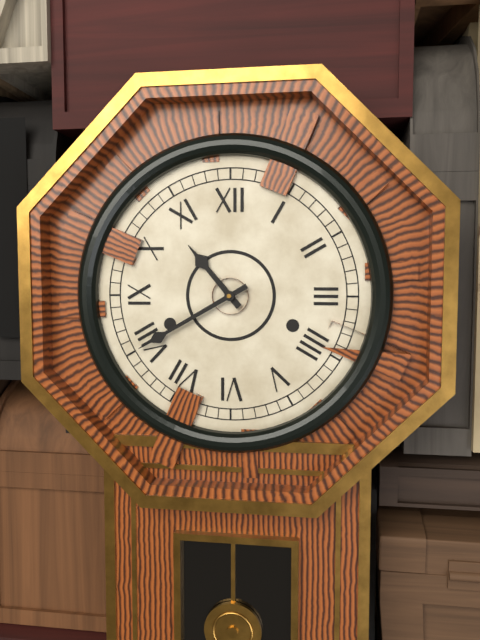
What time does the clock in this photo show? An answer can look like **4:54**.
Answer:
**10:40**
